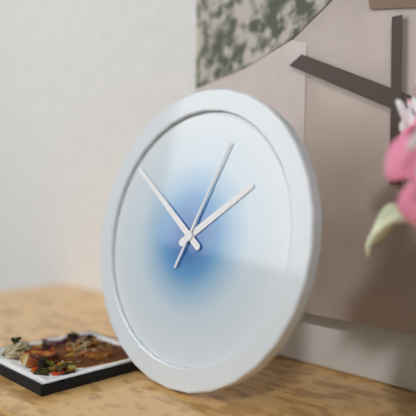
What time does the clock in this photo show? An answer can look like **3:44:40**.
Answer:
**1:51:04**
